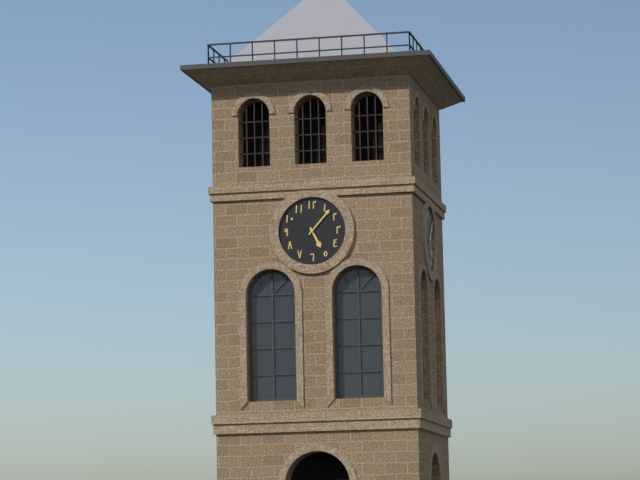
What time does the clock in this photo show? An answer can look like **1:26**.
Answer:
**5:07**
